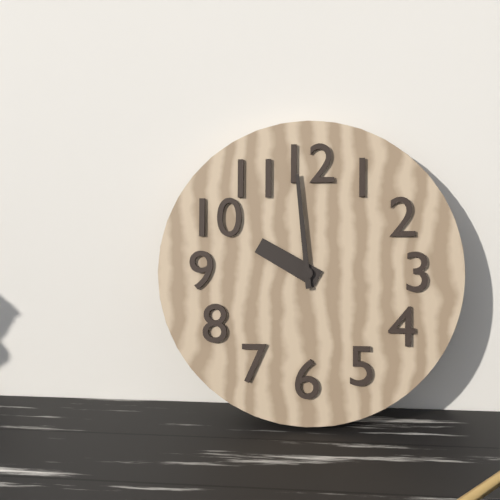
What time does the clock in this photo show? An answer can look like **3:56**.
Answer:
**9:59**
